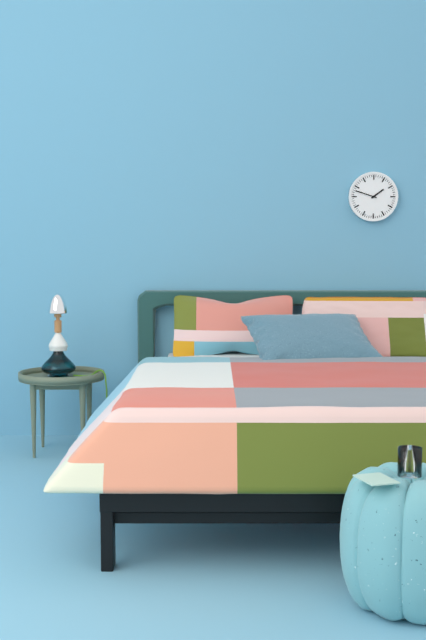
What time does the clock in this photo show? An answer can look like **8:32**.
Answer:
**1:48**
